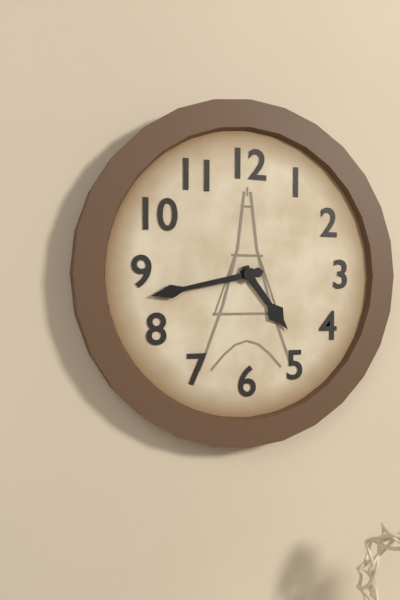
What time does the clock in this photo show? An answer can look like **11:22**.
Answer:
**4:43**
